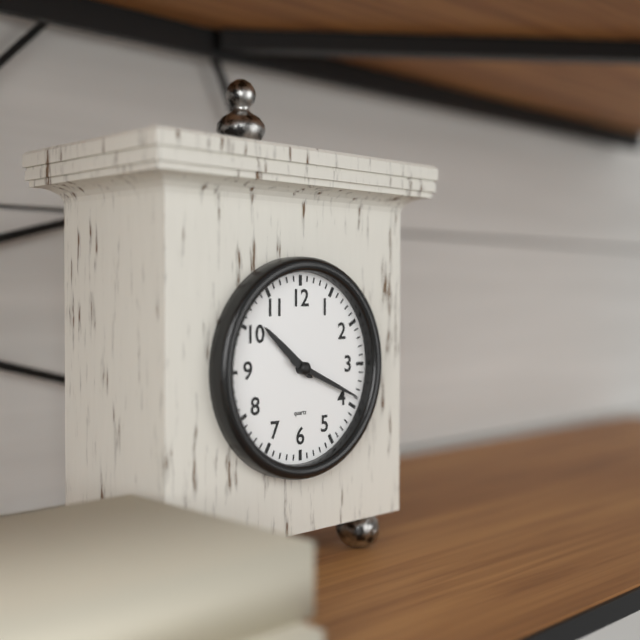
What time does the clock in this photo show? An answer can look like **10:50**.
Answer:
**10:19**
